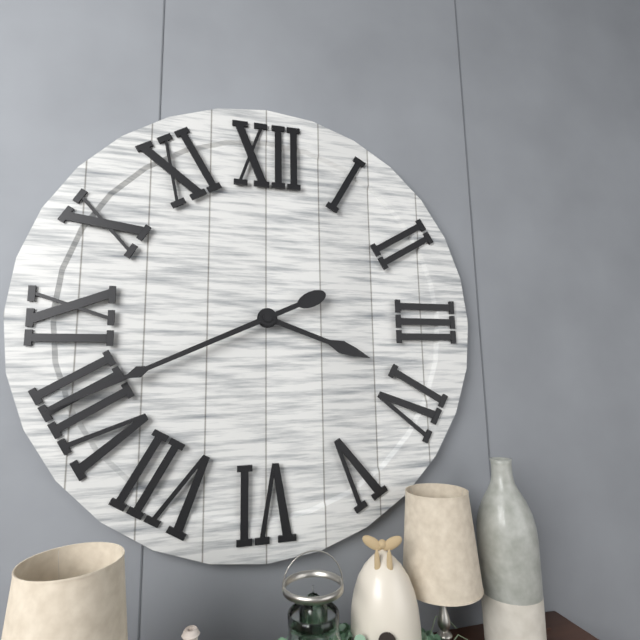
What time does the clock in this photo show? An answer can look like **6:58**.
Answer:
**3:41**
